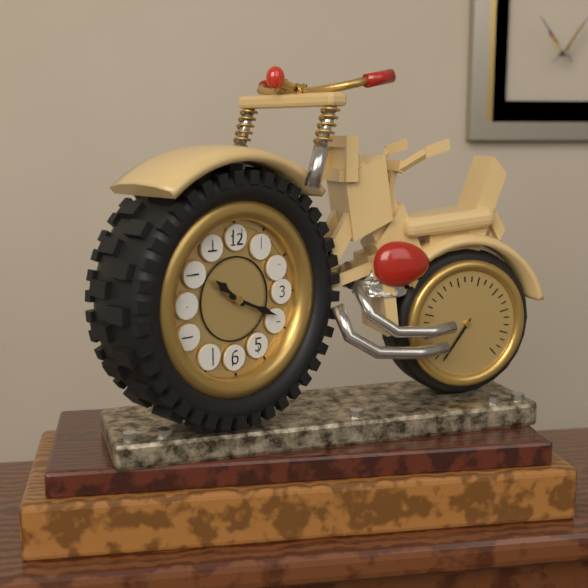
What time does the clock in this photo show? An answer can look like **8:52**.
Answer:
**10:19**
